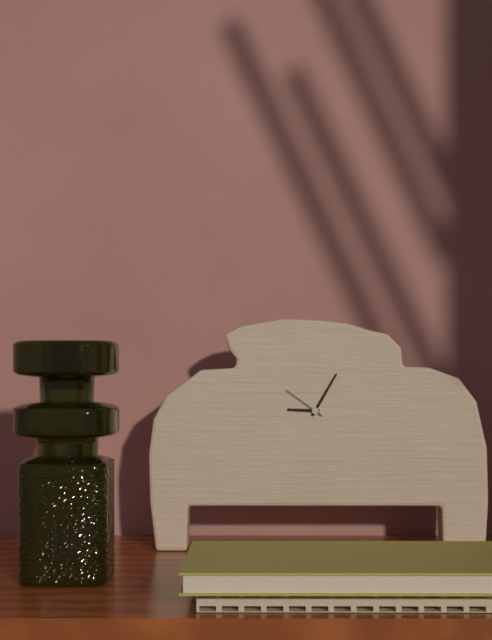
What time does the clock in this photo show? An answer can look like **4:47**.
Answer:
**9:05**
